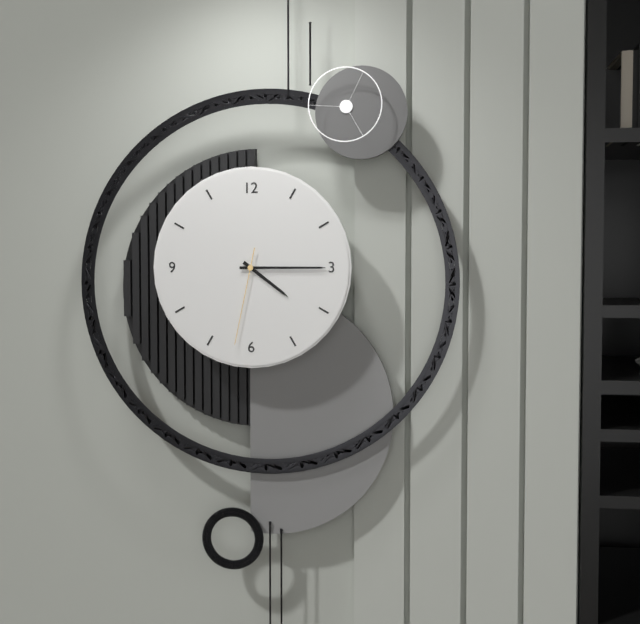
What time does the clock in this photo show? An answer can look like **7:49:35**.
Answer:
**4:15:32**
